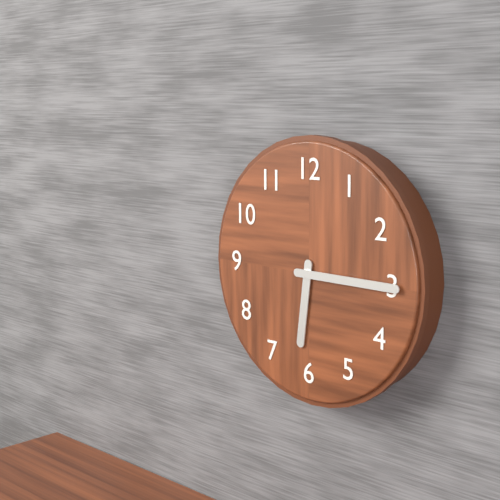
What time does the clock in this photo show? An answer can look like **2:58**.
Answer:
**6:15**
